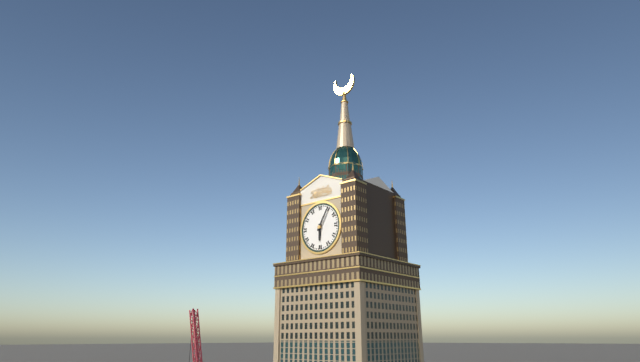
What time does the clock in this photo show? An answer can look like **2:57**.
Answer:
**6:05**
